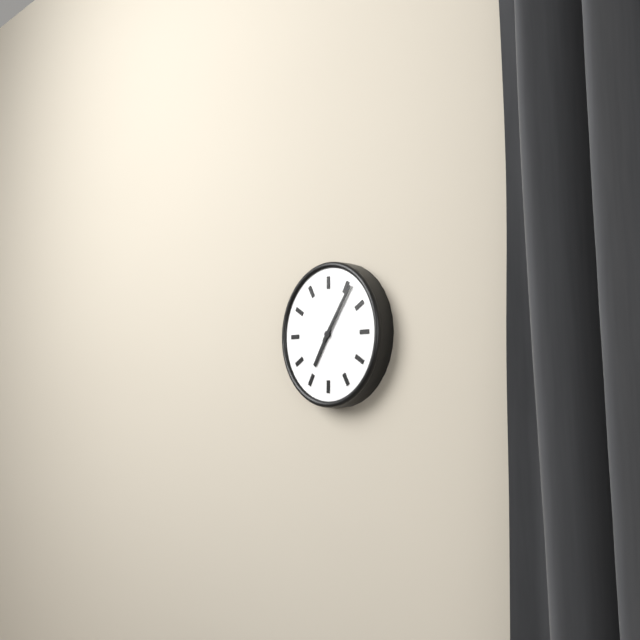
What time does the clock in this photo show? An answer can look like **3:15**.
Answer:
**7:06**
